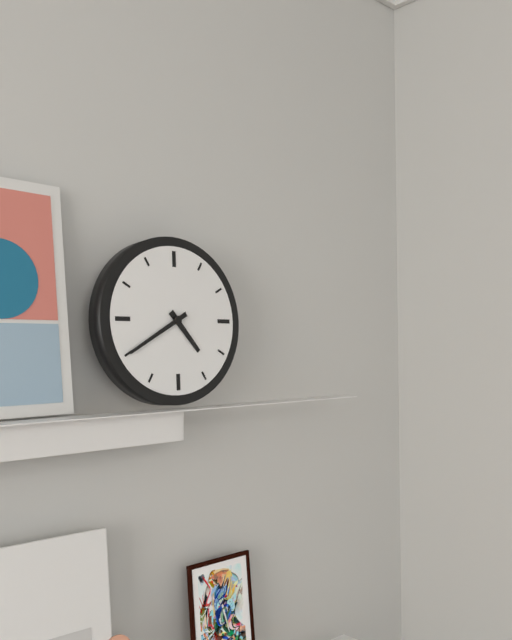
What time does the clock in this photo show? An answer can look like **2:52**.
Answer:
**4:40**
